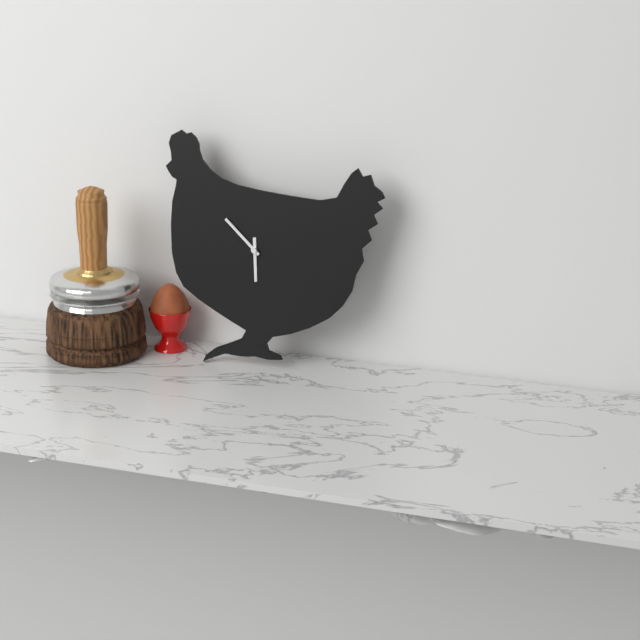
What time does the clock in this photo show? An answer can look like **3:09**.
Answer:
**5:52**
